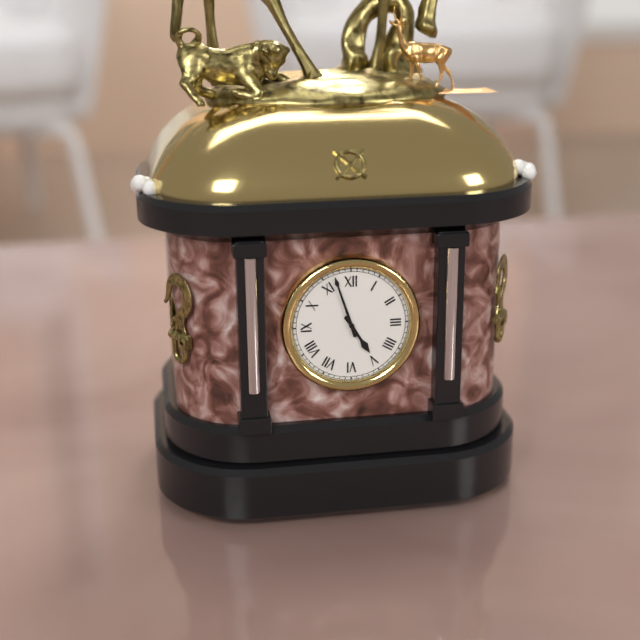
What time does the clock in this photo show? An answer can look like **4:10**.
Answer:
**4:57**
